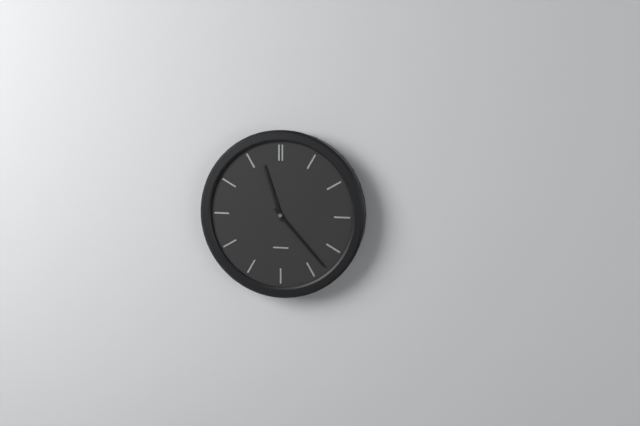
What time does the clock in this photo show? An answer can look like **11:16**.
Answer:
**11:23**
